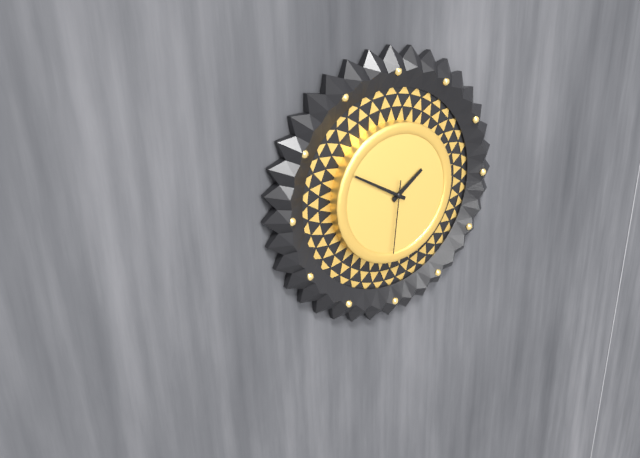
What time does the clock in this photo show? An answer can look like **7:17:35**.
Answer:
**1:50:31**
